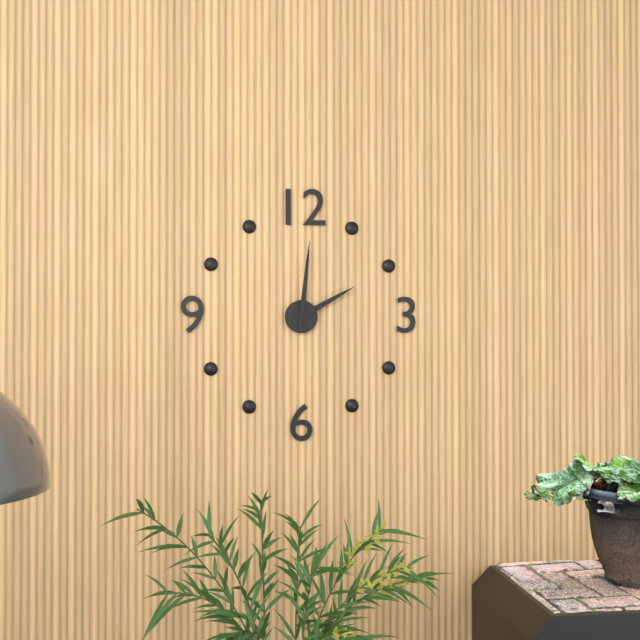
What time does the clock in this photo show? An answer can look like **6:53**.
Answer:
**2:01**
